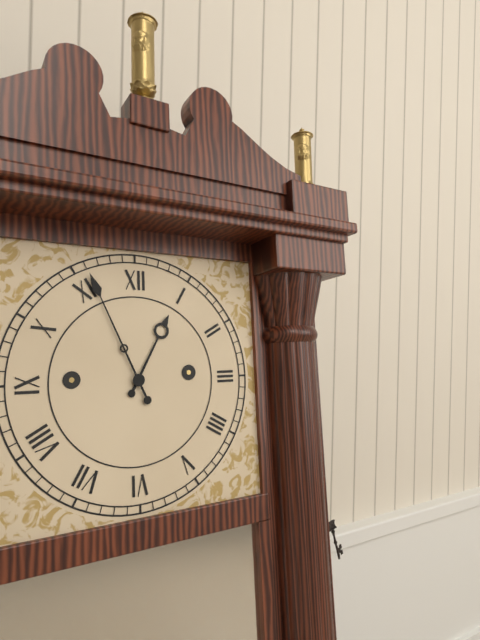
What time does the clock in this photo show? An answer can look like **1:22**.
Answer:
**12:56**
